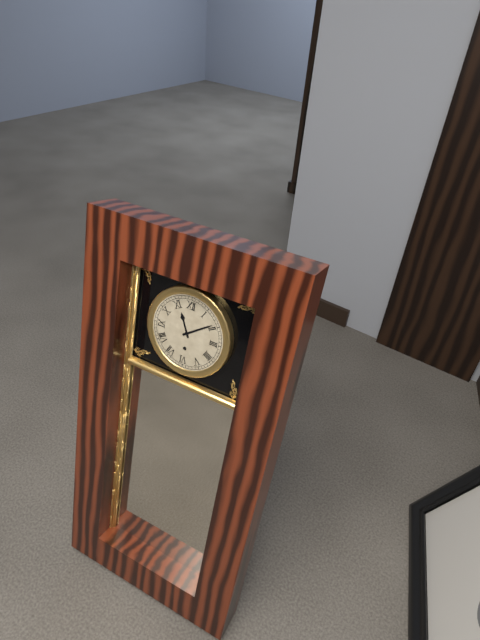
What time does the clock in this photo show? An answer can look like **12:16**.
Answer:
**11:09**
